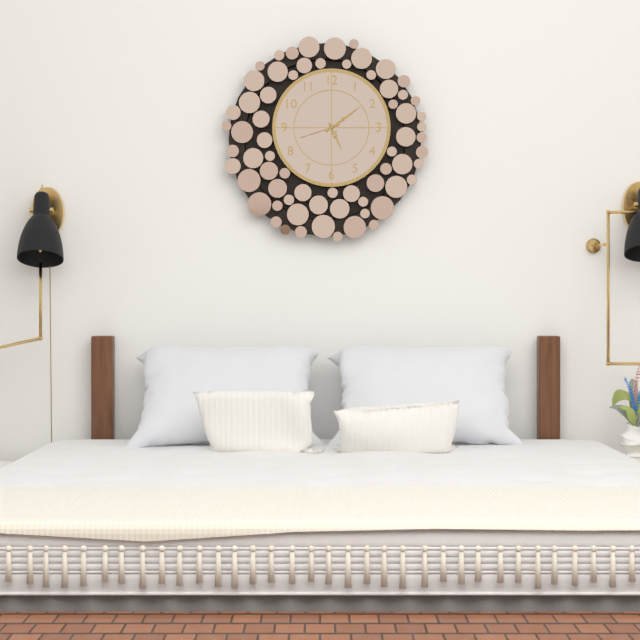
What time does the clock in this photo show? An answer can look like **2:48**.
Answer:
**5:09**
